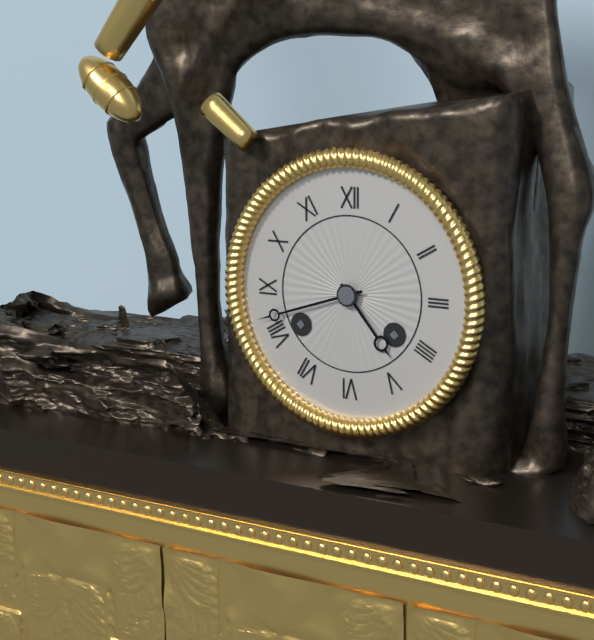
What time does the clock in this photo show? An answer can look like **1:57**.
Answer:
**4:42**
